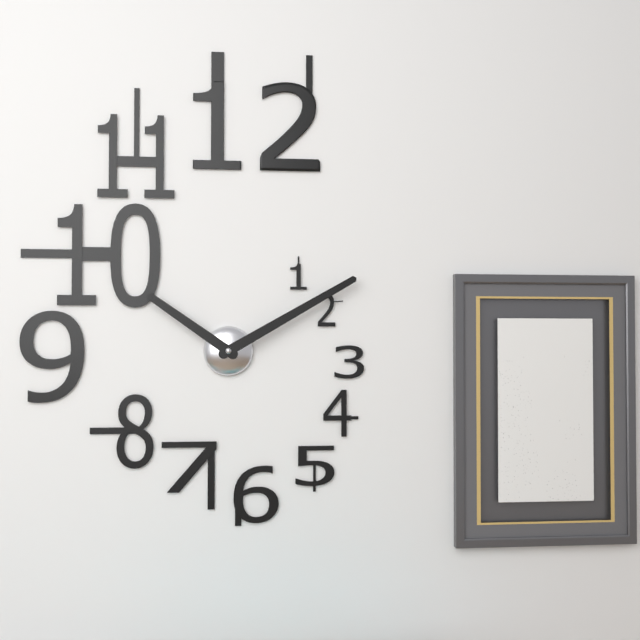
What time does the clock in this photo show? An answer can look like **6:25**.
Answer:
**10:10**
